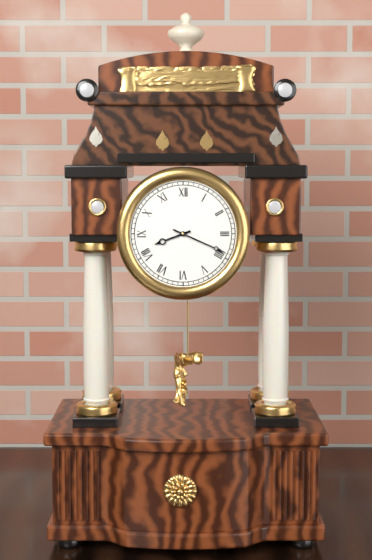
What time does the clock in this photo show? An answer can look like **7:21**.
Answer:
**8:19**
